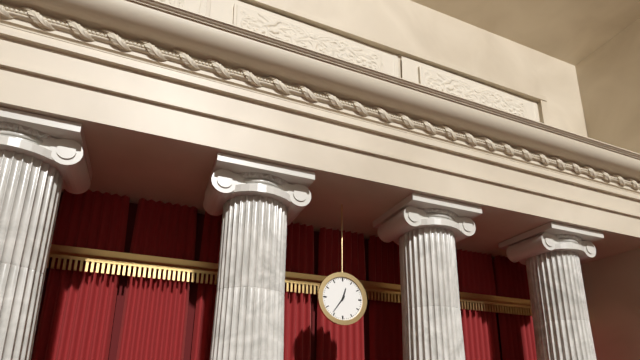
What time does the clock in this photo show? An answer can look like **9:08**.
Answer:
**12:36**
